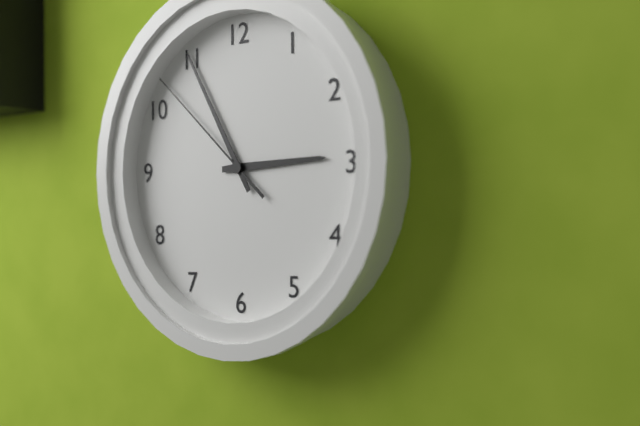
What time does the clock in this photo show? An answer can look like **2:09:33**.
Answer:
**2:55:52**
